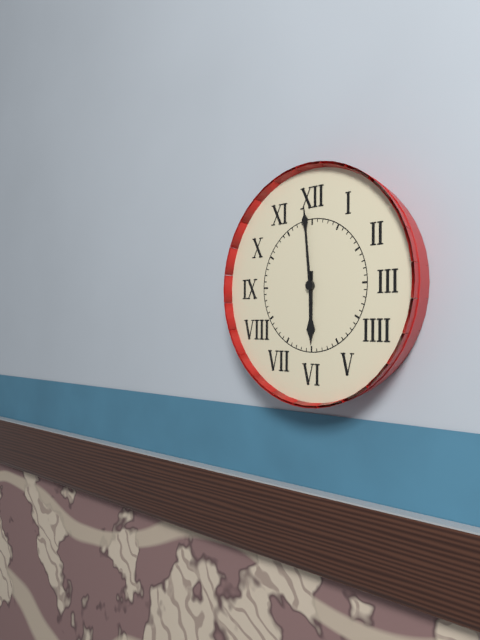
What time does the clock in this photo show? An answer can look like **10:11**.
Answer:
**5:59**
